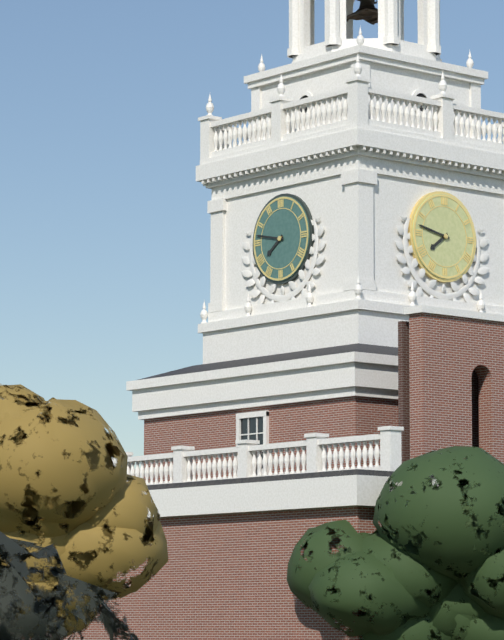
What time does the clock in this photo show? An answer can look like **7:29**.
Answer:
**7:47**
